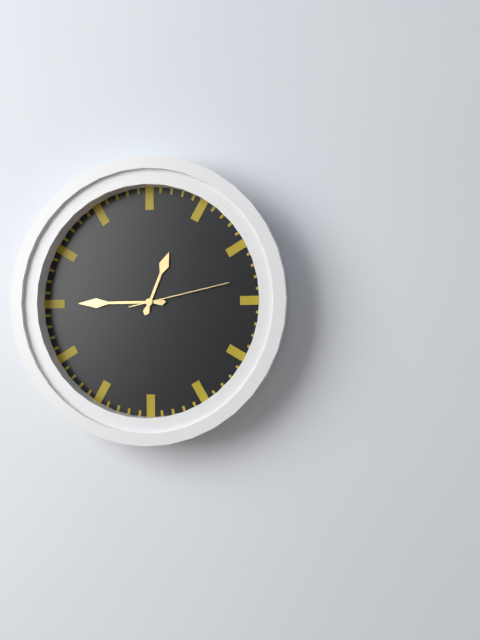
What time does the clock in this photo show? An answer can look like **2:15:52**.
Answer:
**12:45:13**
